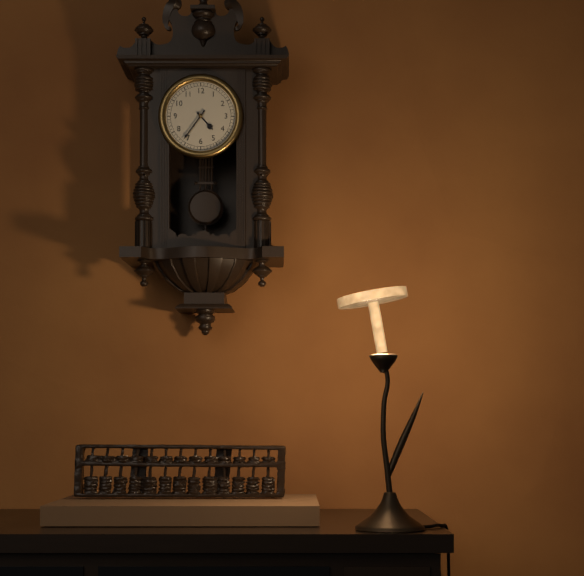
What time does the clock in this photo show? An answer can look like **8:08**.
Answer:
**4:36**
